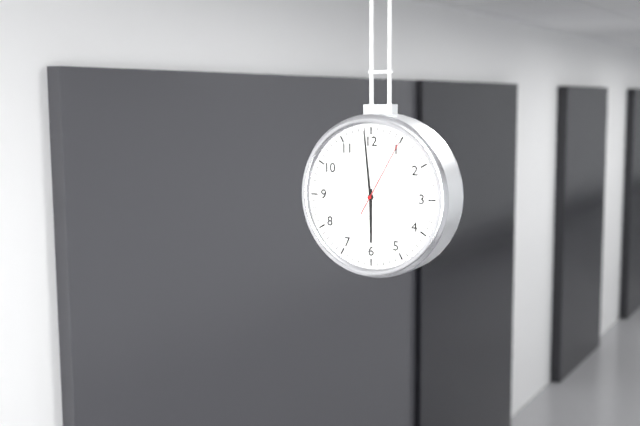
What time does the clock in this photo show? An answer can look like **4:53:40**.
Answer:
**5:59:05**
